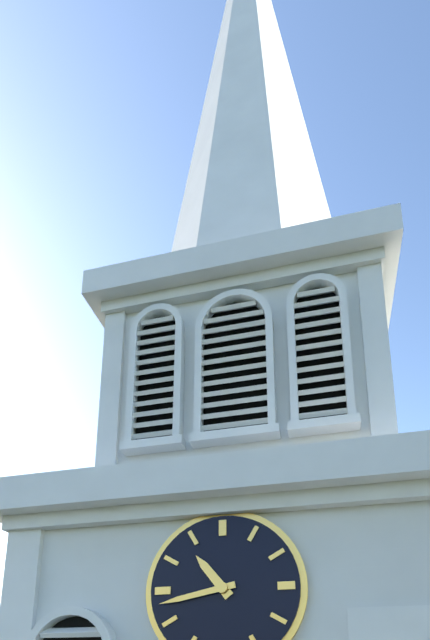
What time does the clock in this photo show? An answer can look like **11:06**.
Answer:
**10:43**
